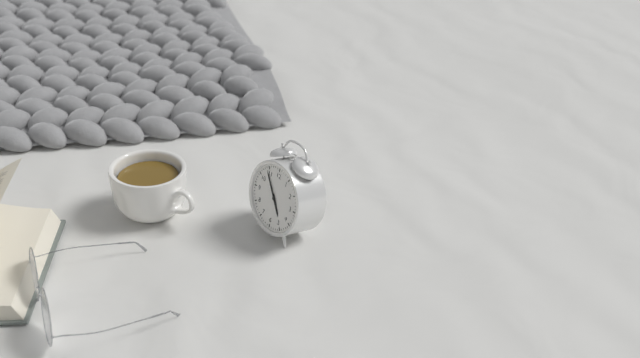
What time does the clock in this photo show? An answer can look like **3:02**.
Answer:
**4:54**
